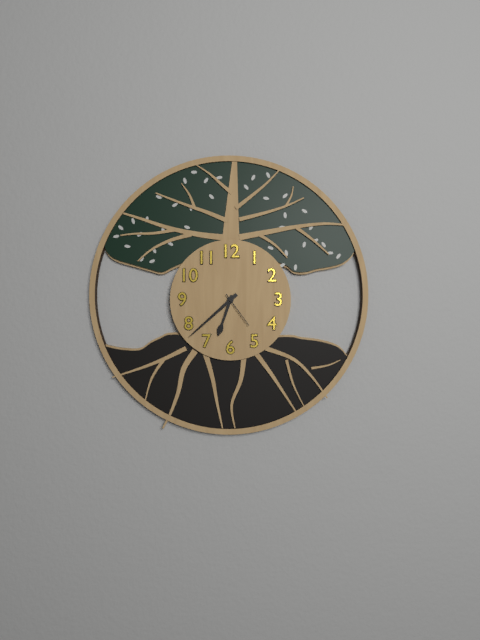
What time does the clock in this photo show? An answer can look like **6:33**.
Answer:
**6:38**
